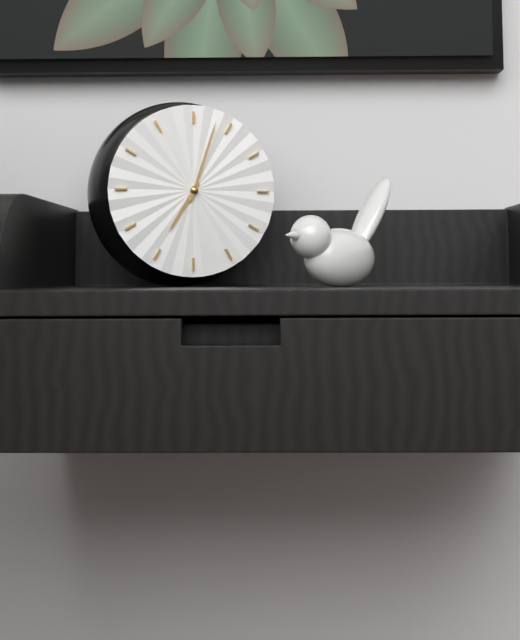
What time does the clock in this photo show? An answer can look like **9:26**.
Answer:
**7:03**
